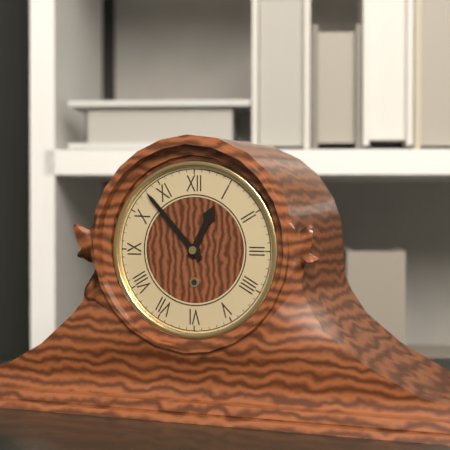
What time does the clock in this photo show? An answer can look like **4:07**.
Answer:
**12:53**
